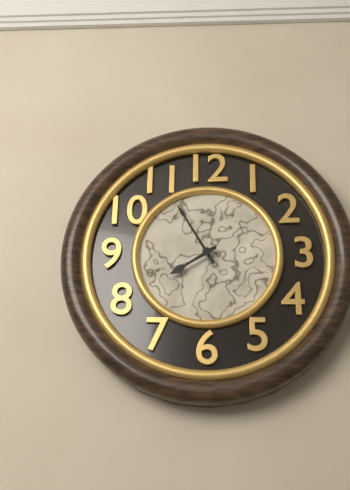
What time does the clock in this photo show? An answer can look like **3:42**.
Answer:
**7:55**
